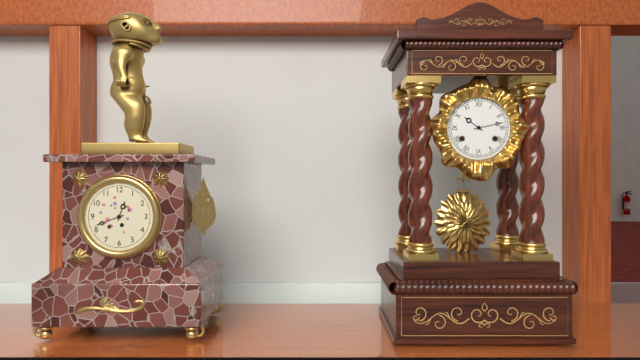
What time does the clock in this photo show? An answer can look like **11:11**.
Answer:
**10:13**
